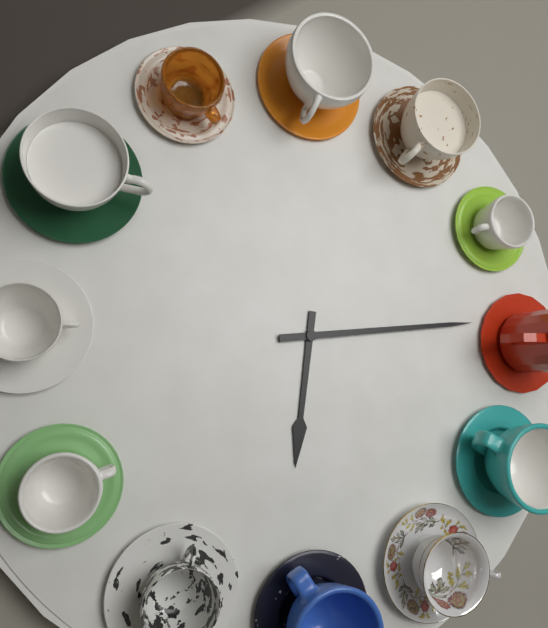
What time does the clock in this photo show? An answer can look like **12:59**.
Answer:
**6:14**
